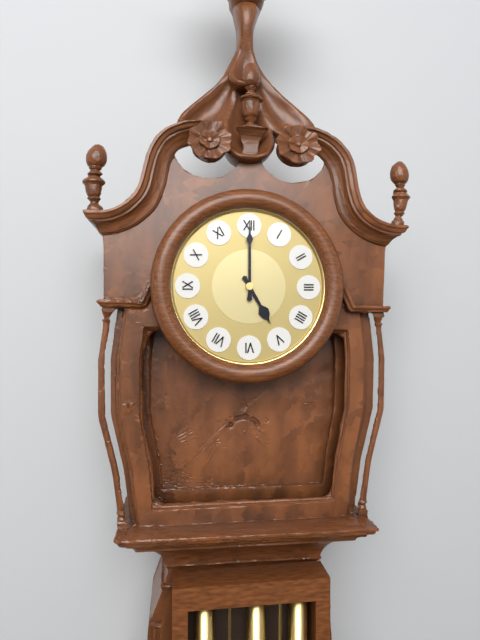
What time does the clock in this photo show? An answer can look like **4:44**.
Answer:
**5:00**
